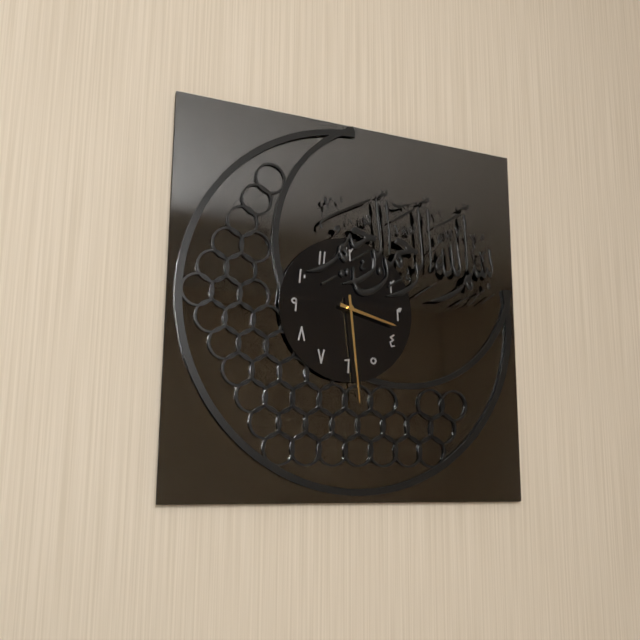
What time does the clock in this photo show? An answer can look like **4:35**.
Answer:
**3:29**
